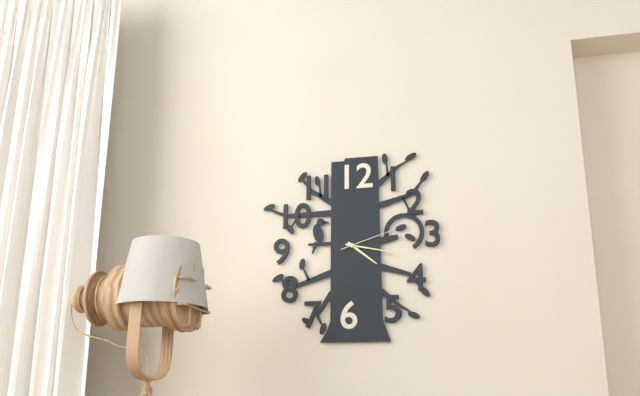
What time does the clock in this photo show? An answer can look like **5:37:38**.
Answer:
**4:17:12**
